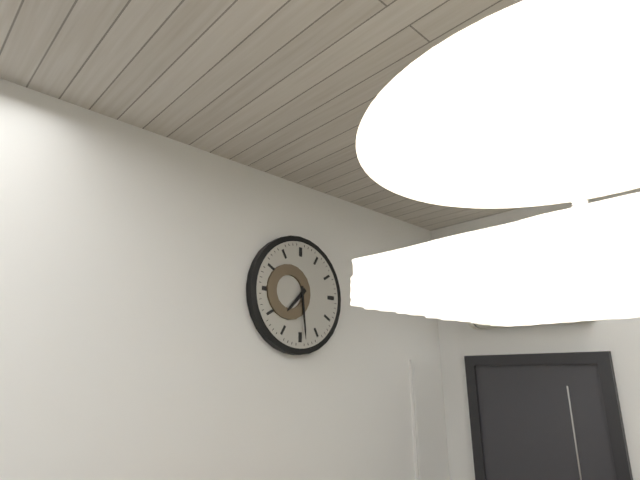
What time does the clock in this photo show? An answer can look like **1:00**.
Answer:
**7:29**
